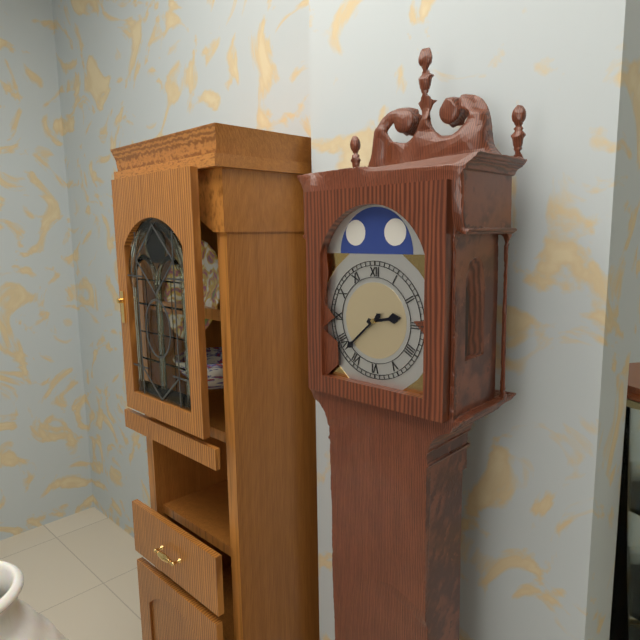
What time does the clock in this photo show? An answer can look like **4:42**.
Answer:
**2:38**
